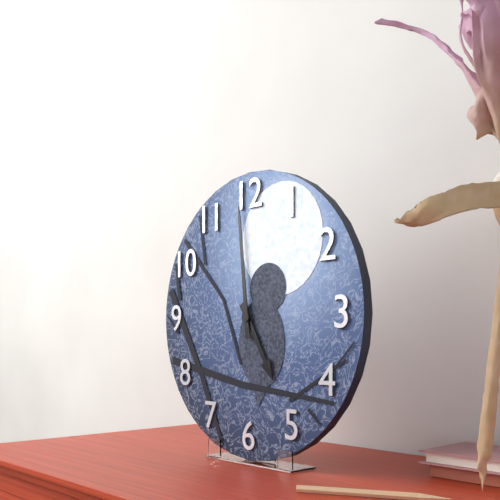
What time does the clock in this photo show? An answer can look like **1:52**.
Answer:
**4:59**
